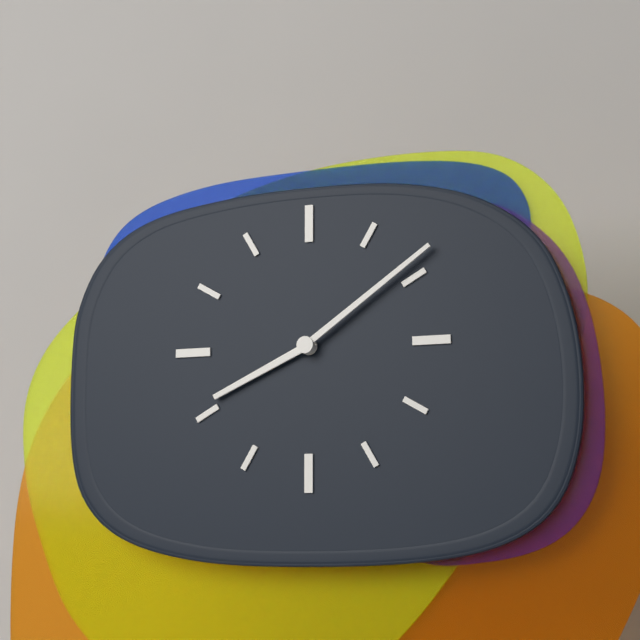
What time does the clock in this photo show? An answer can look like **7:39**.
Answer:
**8:09**
